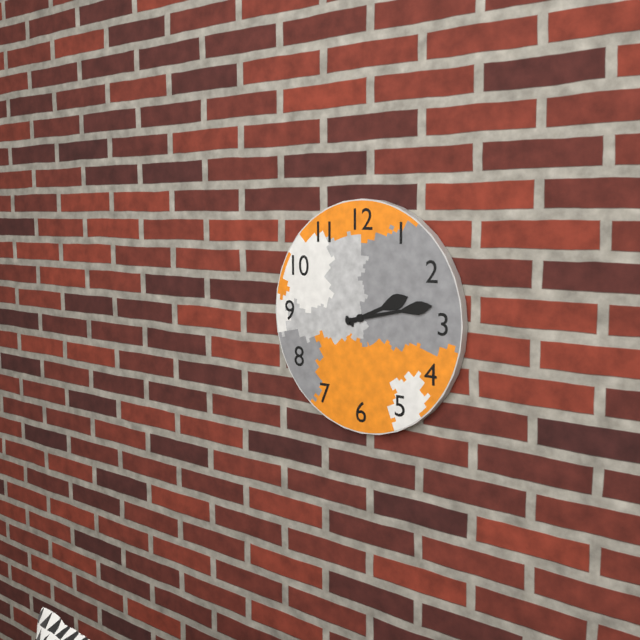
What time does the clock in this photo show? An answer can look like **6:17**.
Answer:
**2:13**
